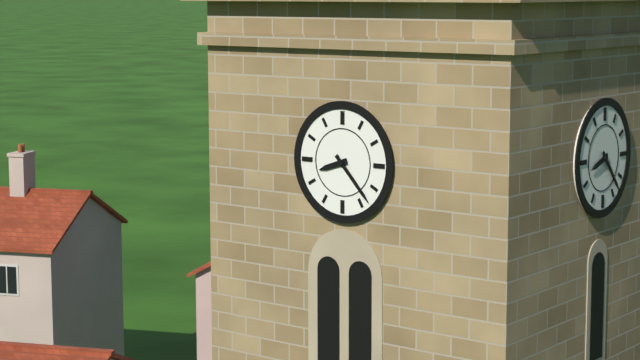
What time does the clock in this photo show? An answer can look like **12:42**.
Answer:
**8:23**
